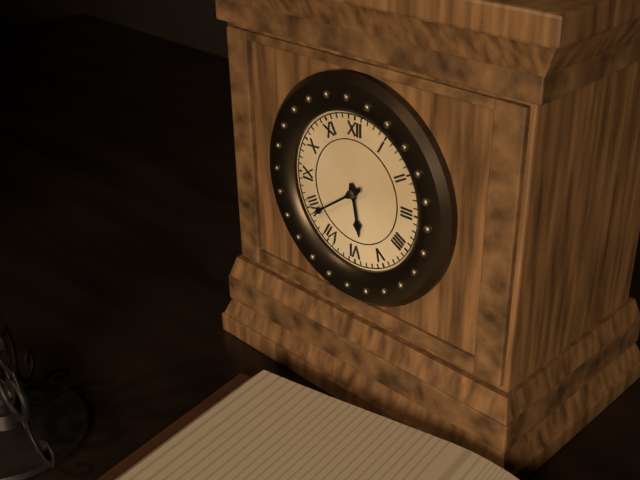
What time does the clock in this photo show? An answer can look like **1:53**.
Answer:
**5:39**
